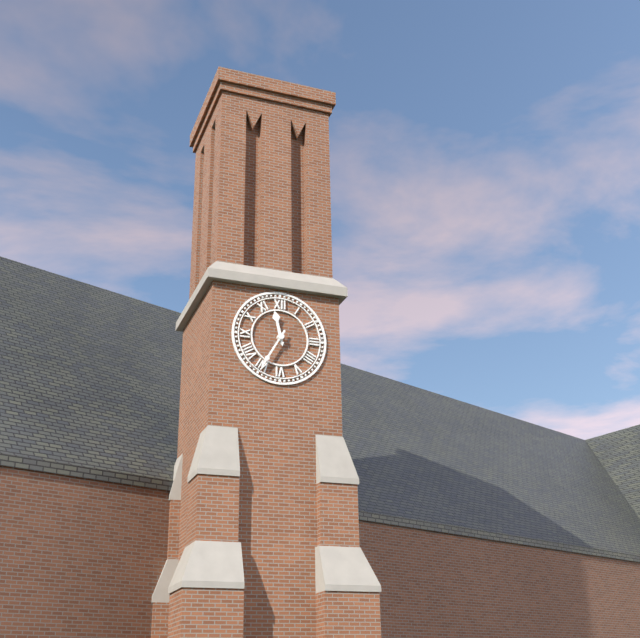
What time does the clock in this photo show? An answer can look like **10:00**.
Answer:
**11:35**
